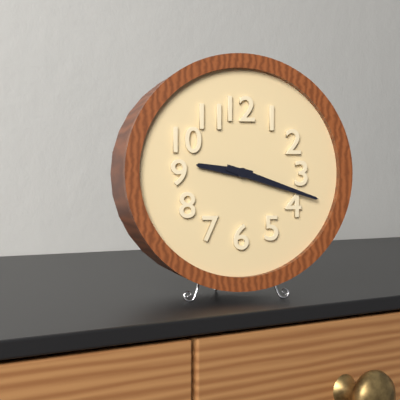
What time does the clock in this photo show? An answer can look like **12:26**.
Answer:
**9:18**
